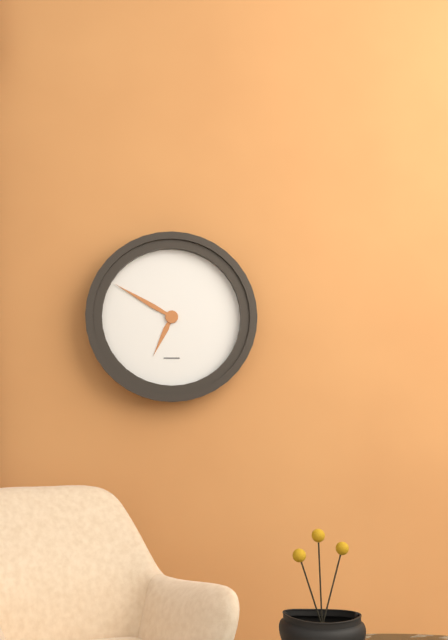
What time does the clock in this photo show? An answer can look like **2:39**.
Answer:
**6:50**
